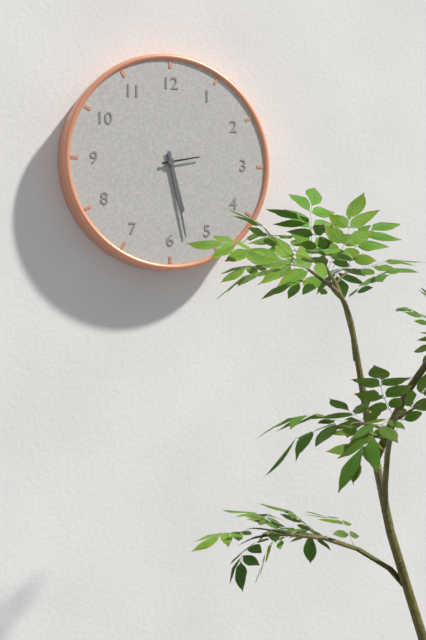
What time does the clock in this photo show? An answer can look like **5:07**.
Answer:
**5:28**
